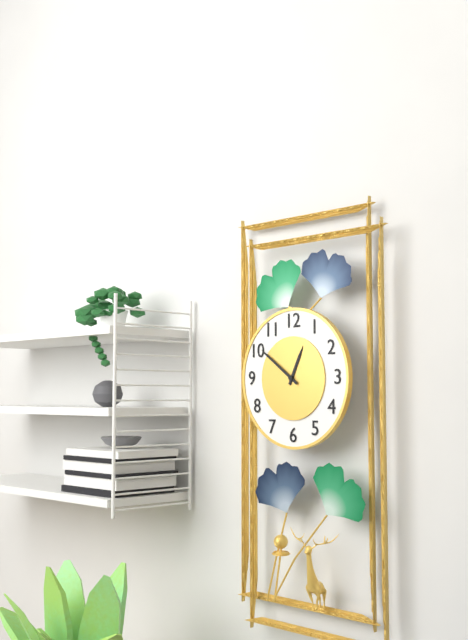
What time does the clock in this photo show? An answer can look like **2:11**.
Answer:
**12:51**
